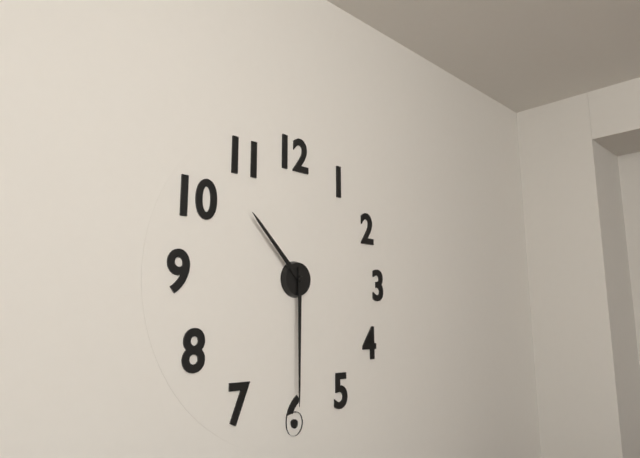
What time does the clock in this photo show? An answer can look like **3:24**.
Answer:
**10:30**
